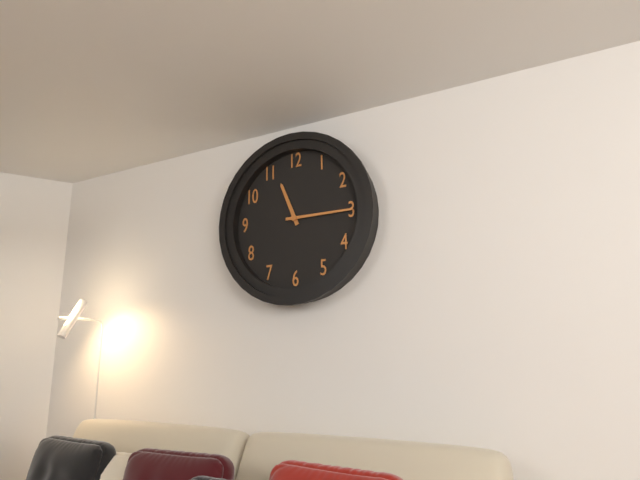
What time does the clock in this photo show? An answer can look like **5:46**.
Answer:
**11:15**
